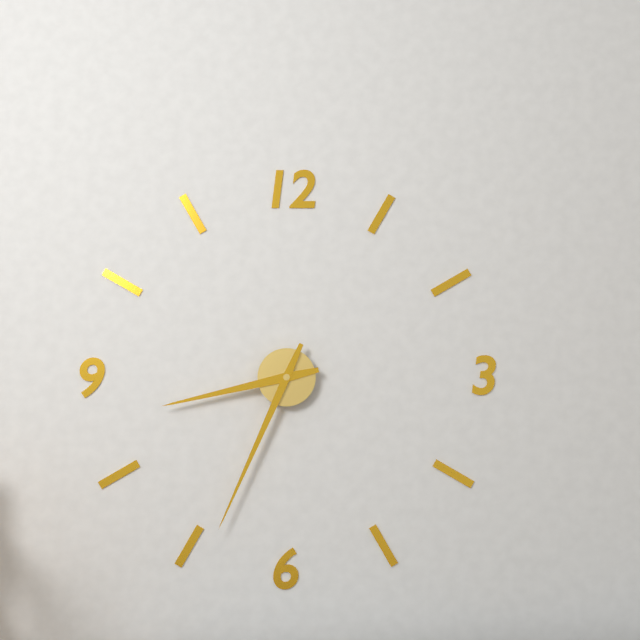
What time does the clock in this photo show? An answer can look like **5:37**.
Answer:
**8:34**
